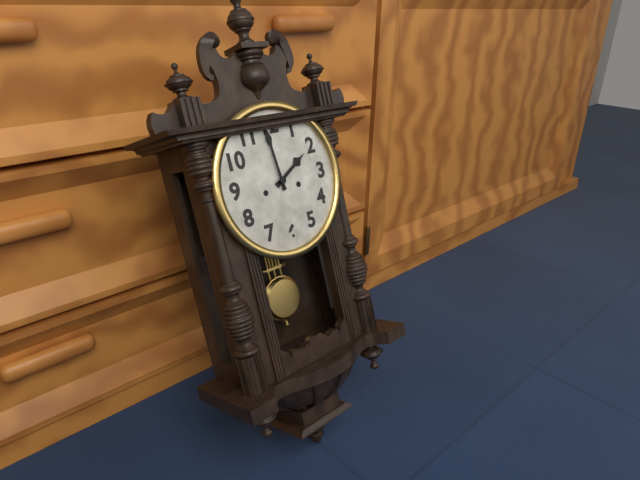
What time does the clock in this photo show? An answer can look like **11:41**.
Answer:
**1:59**
